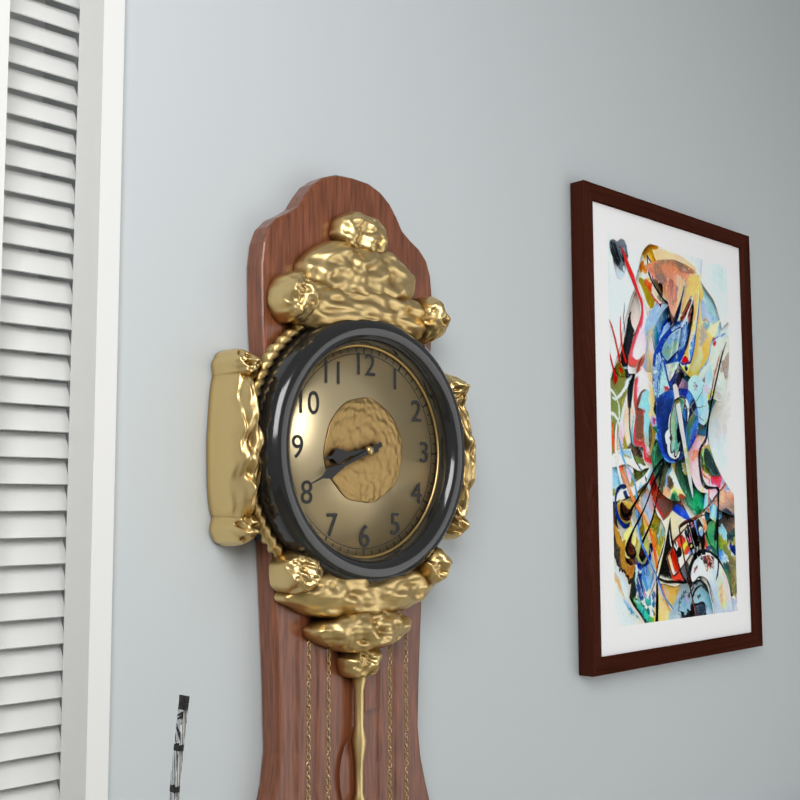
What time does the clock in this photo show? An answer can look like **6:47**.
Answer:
**8:41**
